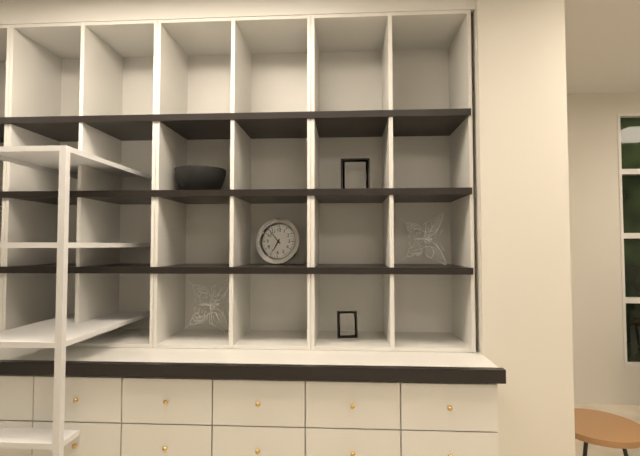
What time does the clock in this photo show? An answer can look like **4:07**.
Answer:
**6:53**
